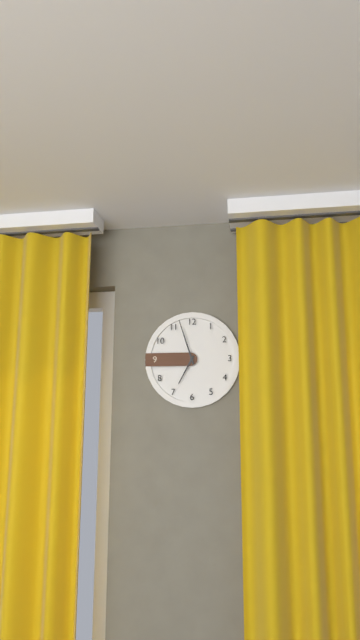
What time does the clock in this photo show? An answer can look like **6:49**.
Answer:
**6:57**
